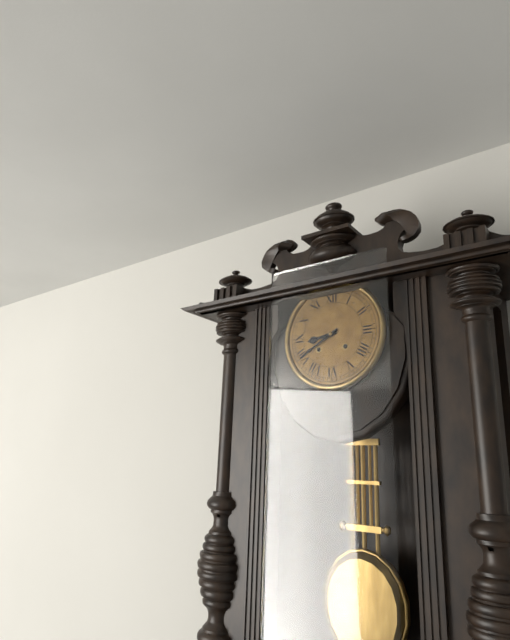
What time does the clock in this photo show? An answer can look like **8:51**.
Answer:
**8:40**
